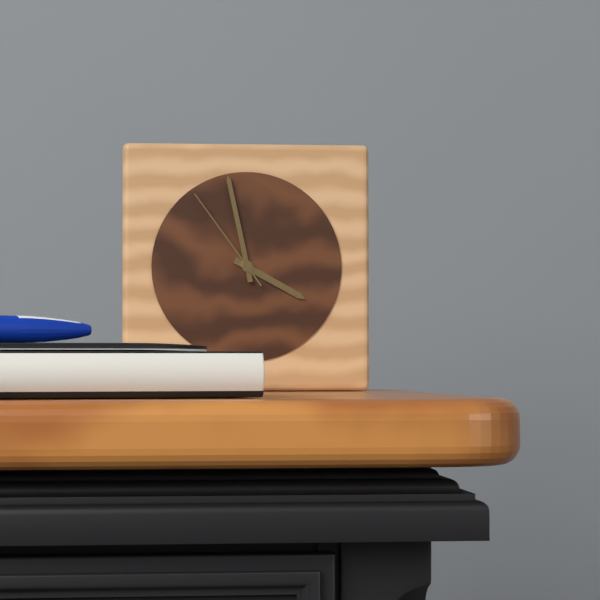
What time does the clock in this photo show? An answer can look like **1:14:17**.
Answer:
**3:58:54**
